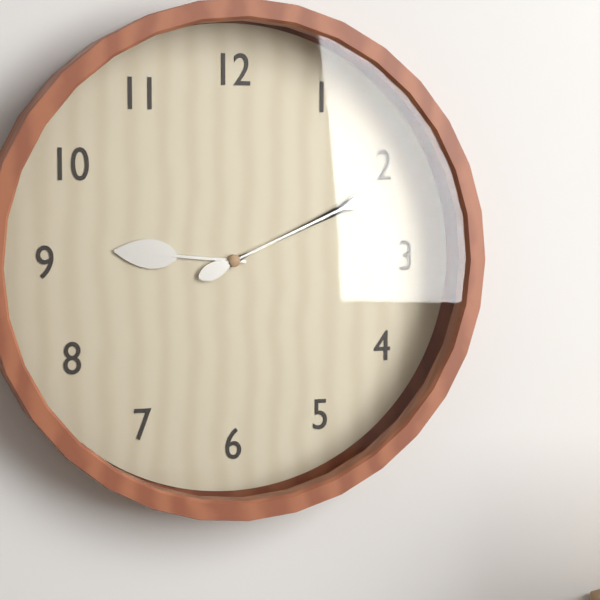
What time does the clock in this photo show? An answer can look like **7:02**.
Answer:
**9:11**
